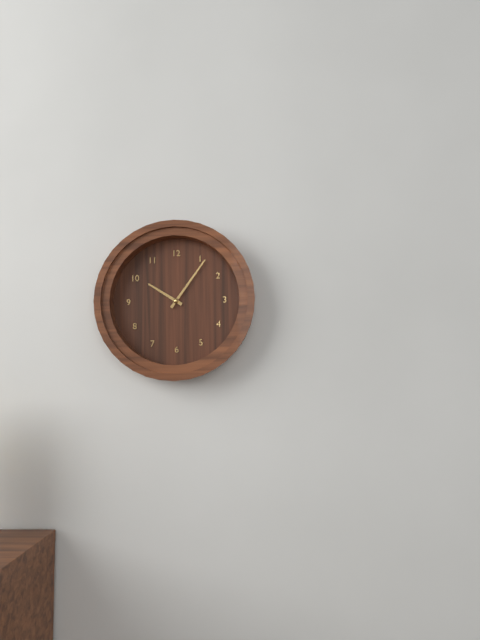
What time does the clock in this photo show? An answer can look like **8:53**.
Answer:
**10:06**
